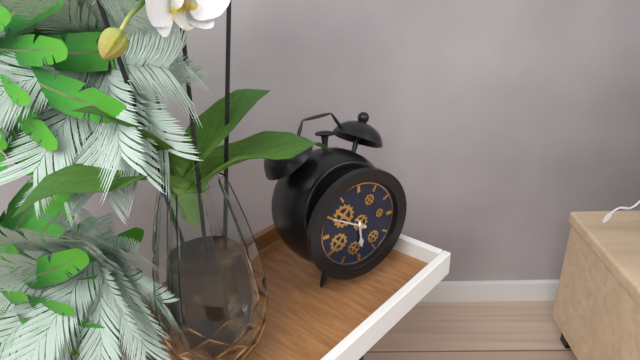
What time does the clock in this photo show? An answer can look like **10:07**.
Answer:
**5:50**
